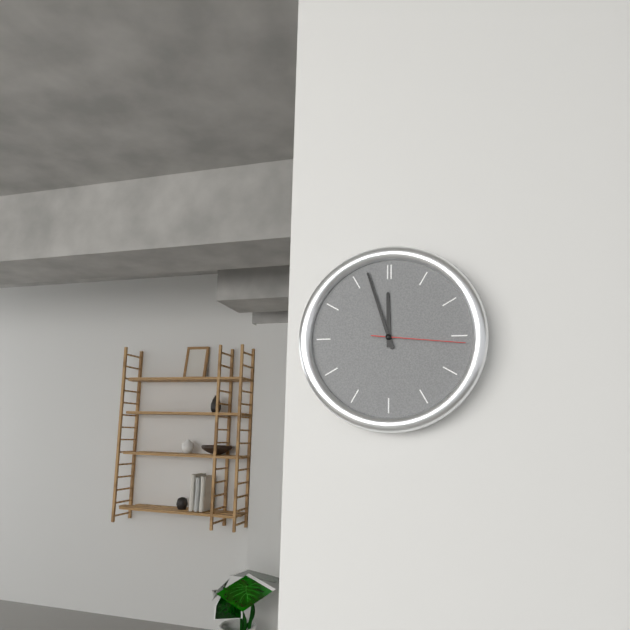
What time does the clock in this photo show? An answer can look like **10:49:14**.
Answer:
**11:57:16**
